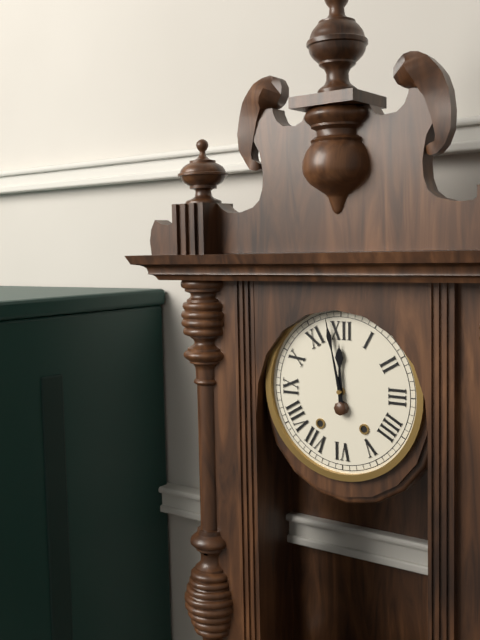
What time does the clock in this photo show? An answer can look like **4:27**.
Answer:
**11:58**
